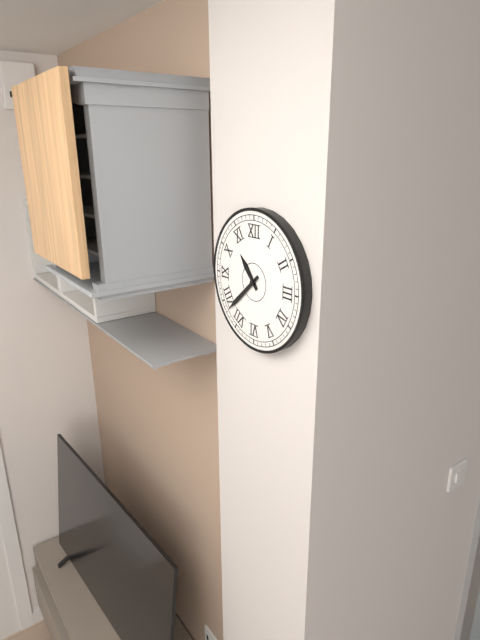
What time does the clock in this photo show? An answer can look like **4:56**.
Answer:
**10:38**
